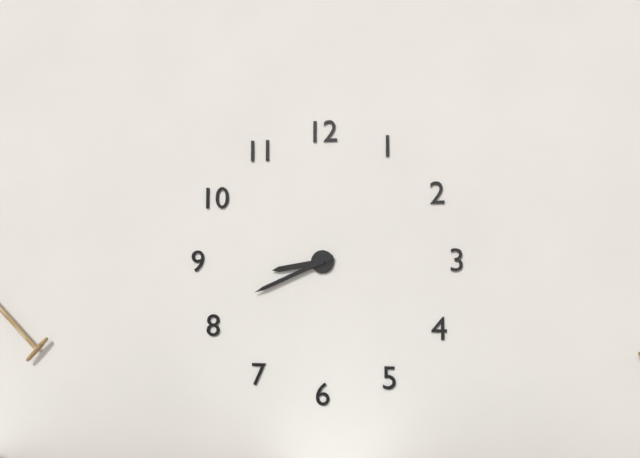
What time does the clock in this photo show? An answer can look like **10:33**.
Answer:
**8:41**
